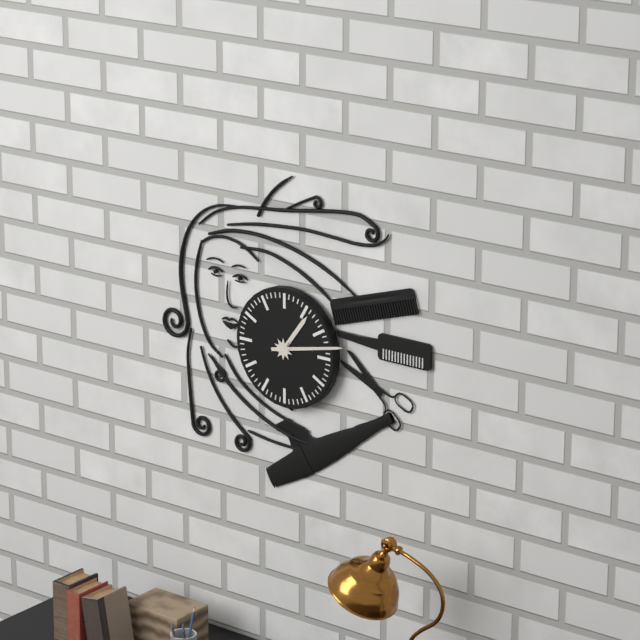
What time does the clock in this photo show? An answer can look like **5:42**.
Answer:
**1:13**
